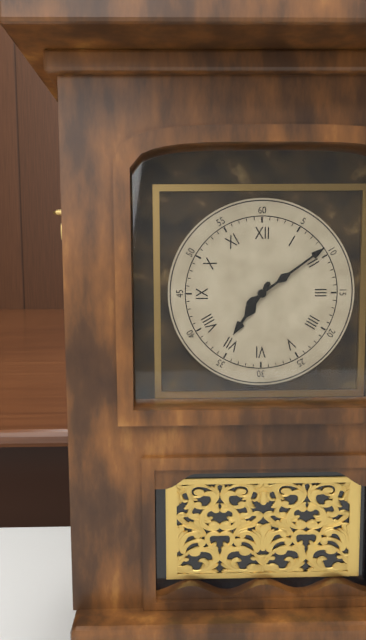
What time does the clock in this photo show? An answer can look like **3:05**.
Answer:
**7:09**
